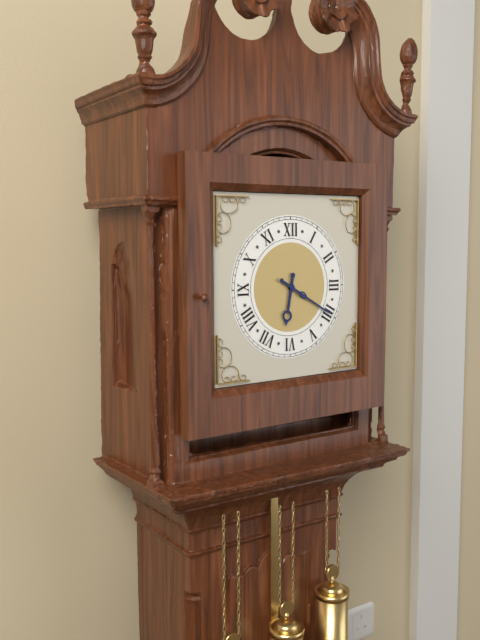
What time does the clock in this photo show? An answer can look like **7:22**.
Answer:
**6:20**
